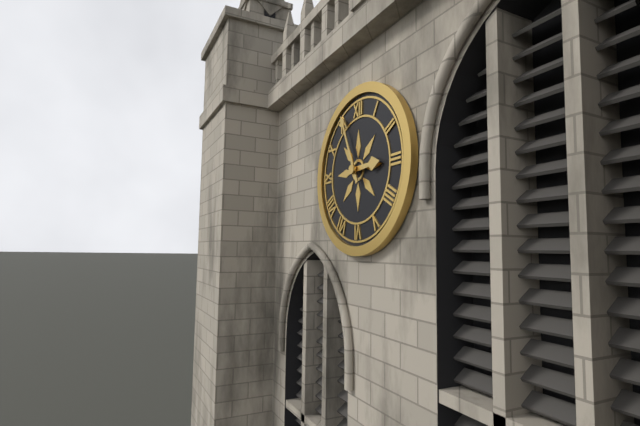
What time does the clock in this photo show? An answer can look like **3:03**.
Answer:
**2:56**
